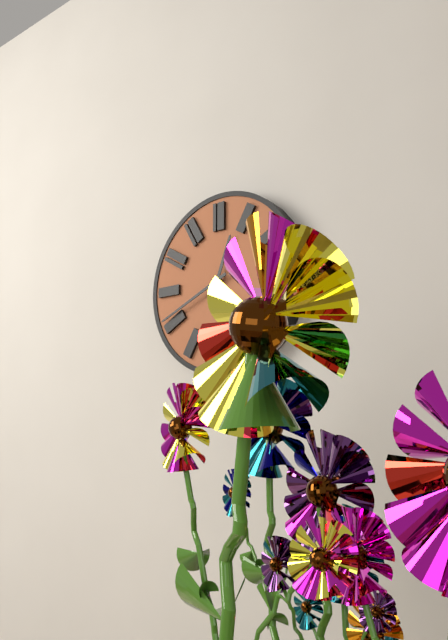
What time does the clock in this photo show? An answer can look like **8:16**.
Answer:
**12:41**
